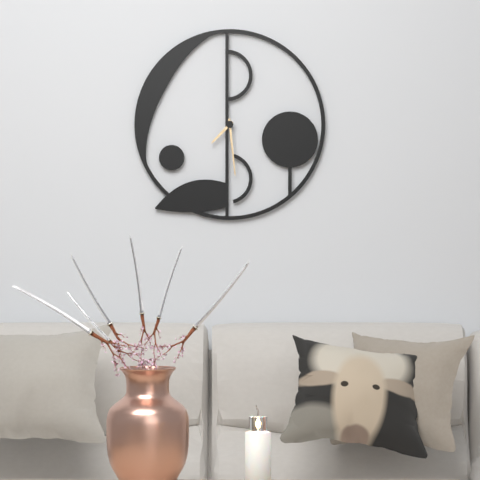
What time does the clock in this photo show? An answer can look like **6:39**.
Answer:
**7:29**
